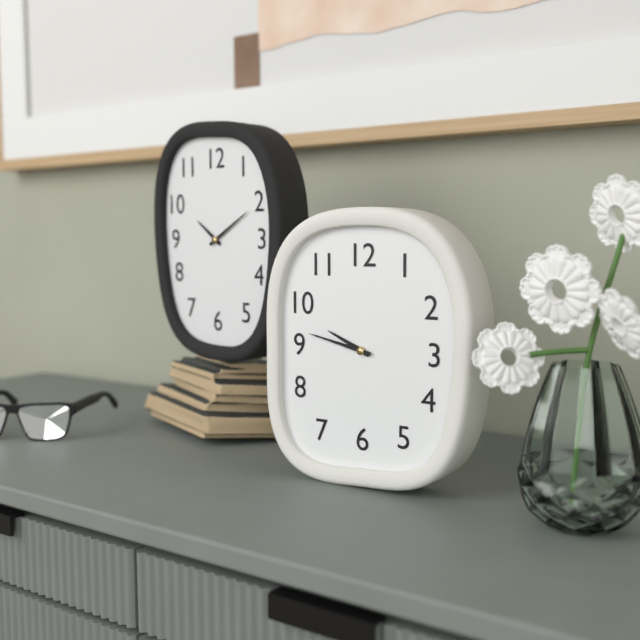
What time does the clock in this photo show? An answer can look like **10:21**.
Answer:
**9:47**
